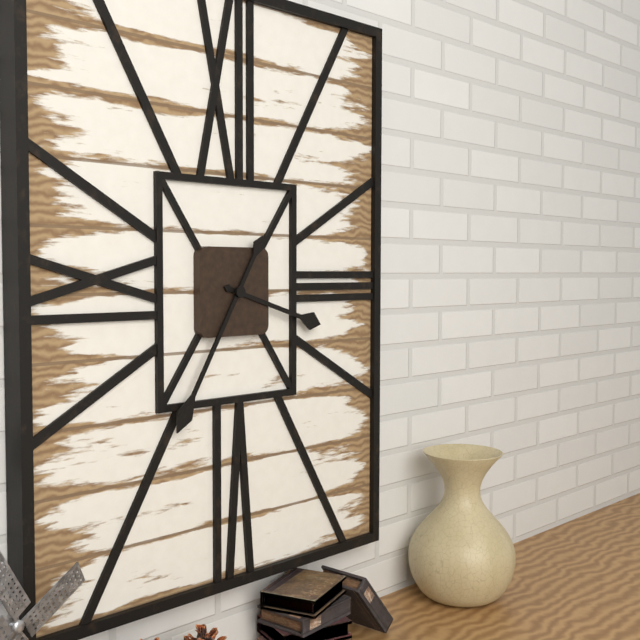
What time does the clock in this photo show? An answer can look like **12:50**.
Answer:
**3:35**
